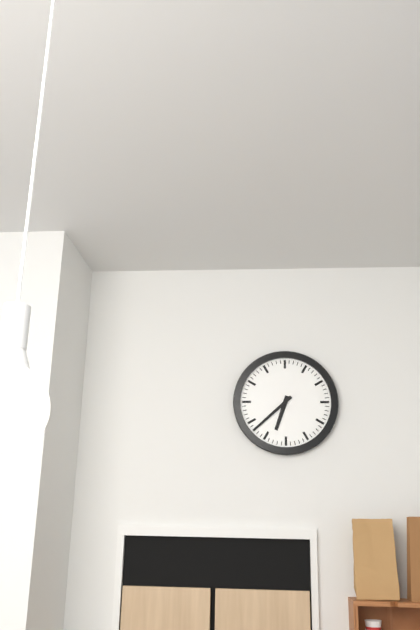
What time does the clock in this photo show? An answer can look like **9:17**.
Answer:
**6:38**
